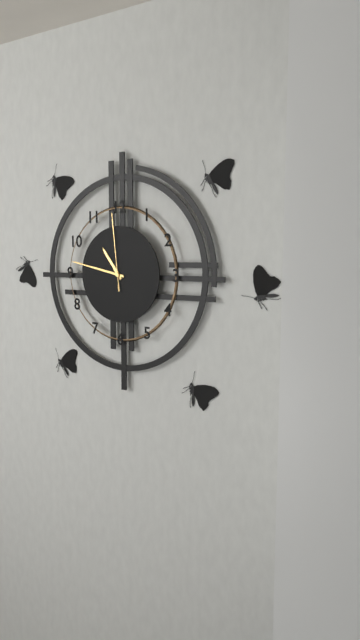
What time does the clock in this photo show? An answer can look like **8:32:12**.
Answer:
**10:47:59**
